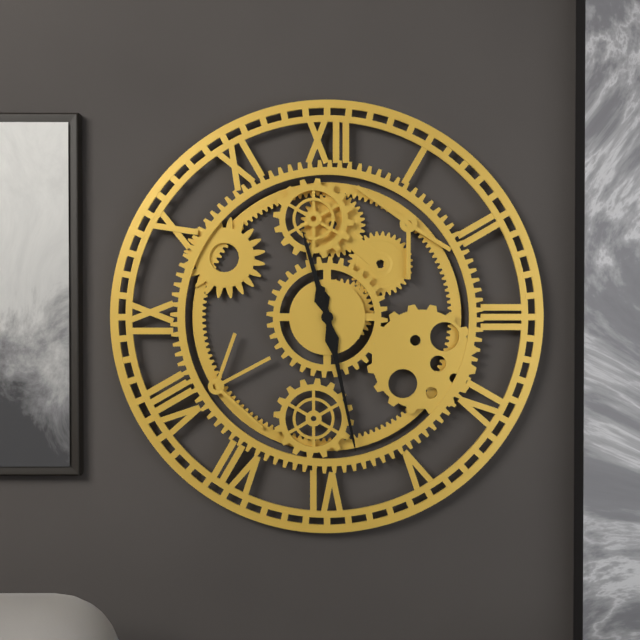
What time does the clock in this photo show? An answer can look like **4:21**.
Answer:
**11:28**
